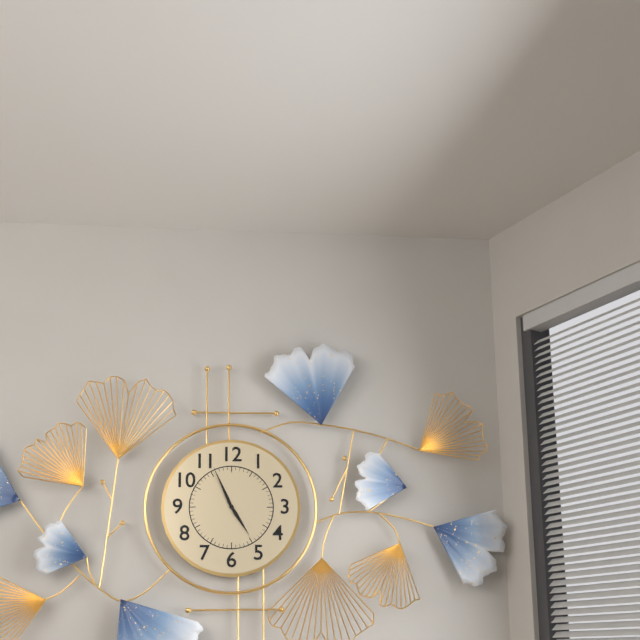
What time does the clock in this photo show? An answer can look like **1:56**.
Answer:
**4:56**
